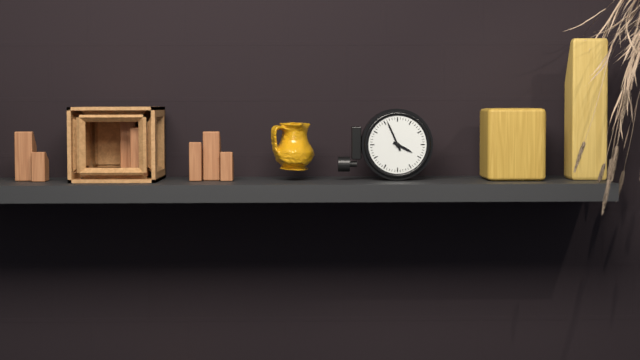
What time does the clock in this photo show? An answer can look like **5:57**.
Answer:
**3:56**
